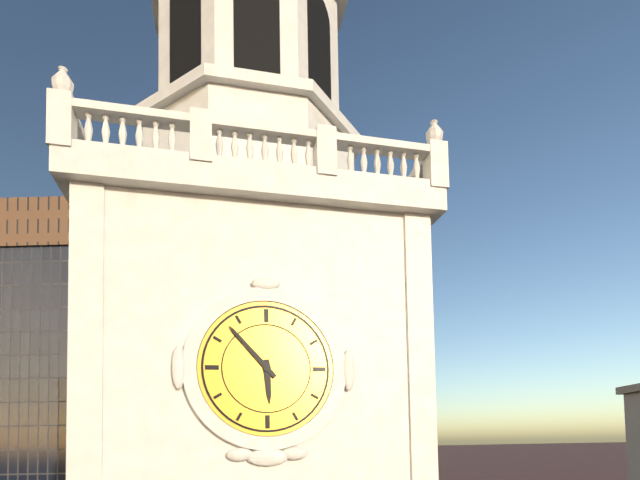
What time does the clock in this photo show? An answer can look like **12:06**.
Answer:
**5:53**
